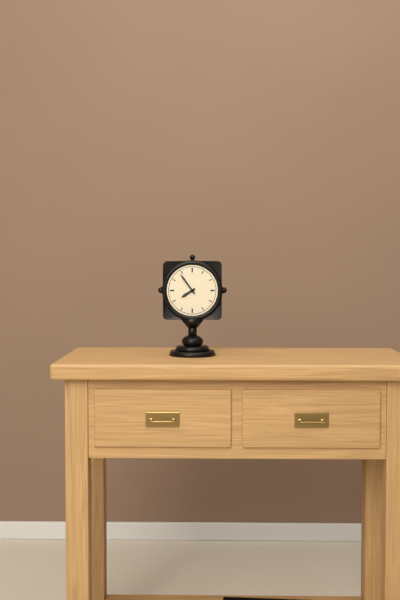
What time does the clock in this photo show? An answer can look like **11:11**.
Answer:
**7:54**
